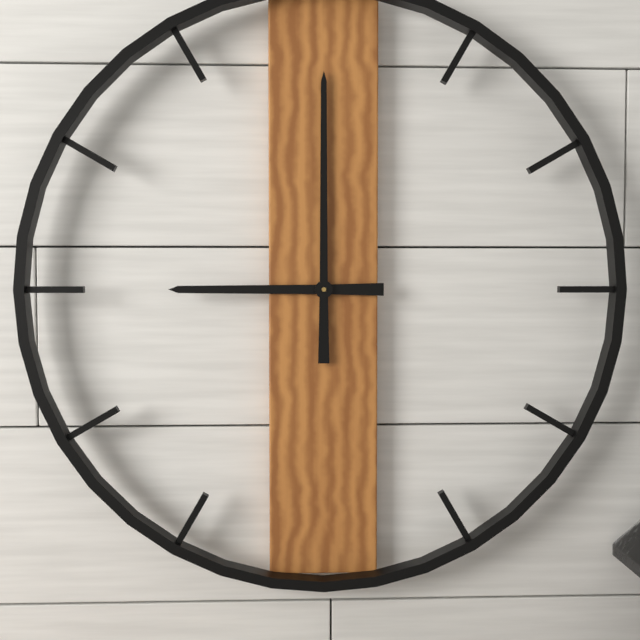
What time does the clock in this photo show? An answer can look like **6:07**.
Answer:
**9:00**
